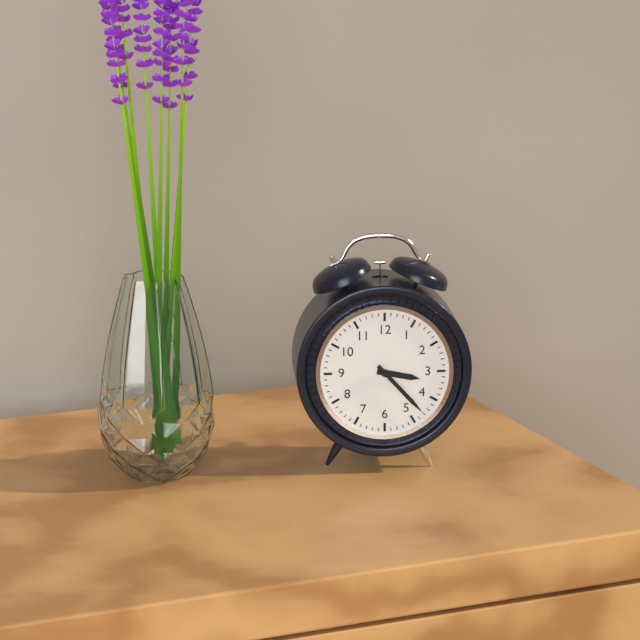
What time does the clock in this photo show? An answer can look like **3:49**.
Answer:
**3:23**
